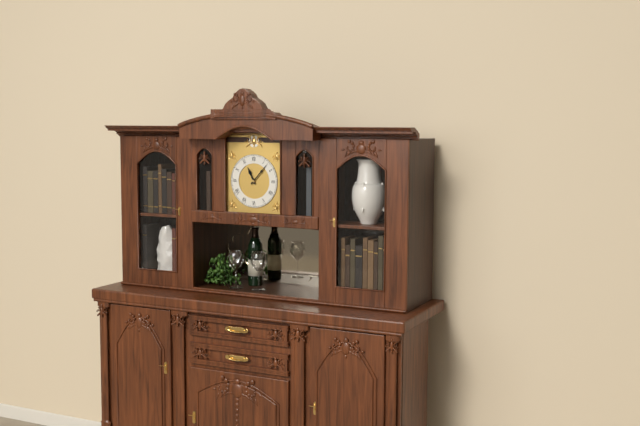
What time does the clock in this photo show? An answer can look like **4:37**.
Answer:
**11:07**
